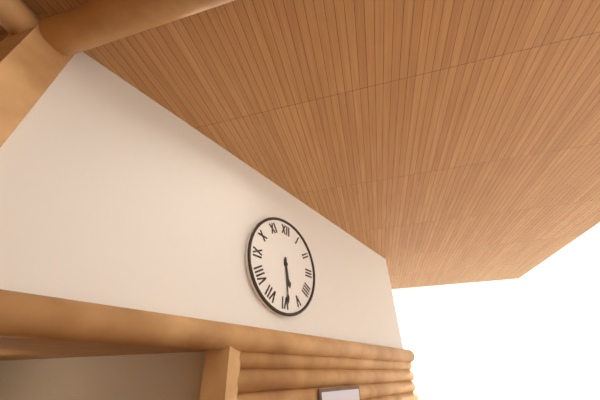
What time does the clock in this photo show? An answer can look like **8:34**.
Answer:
**5:29**
